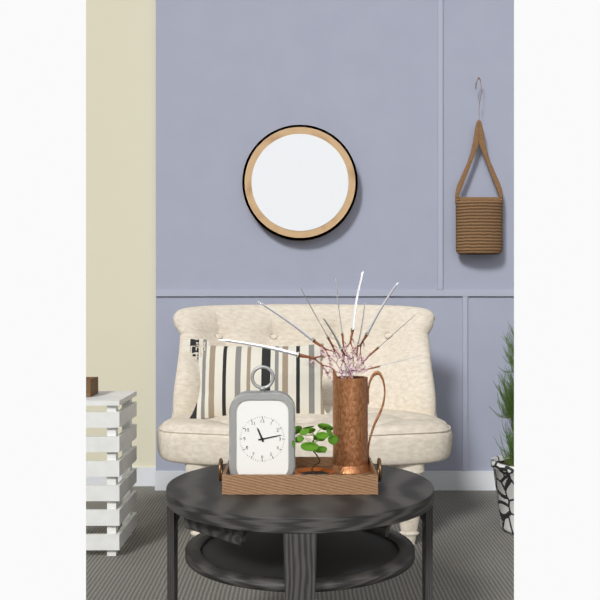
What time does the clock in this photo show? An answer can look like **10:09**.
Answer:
**11:13**
